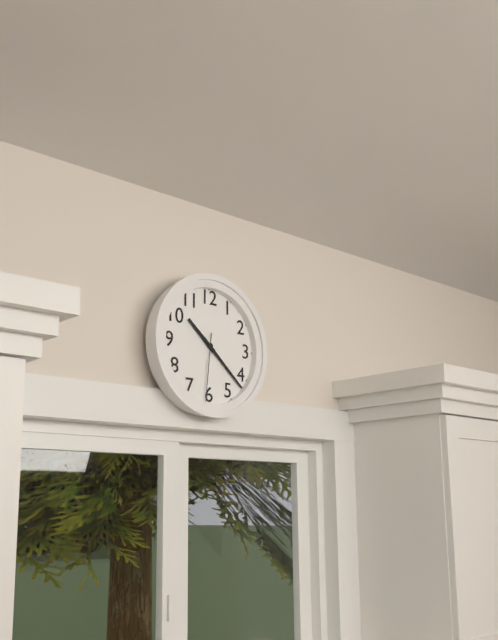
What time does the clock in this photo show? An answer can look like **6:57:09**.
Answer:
**10:22:31**
